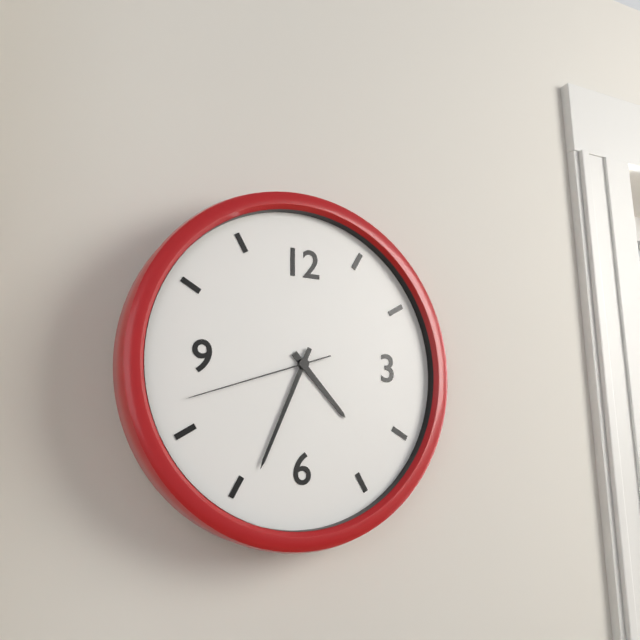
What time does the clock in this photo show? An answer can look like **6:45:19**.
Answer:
**4:34:42**
